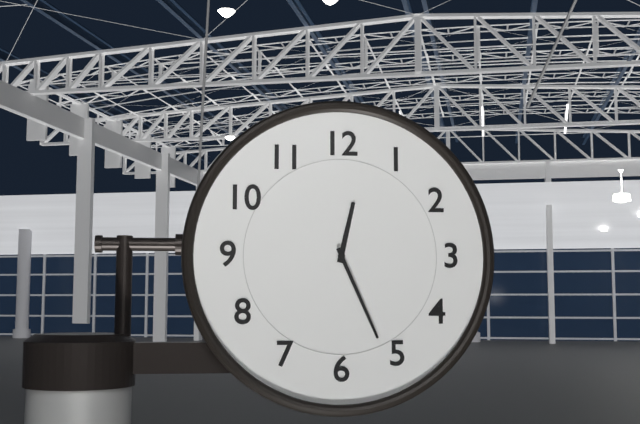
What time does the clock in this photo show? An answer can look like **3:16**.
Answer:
**12:26**
